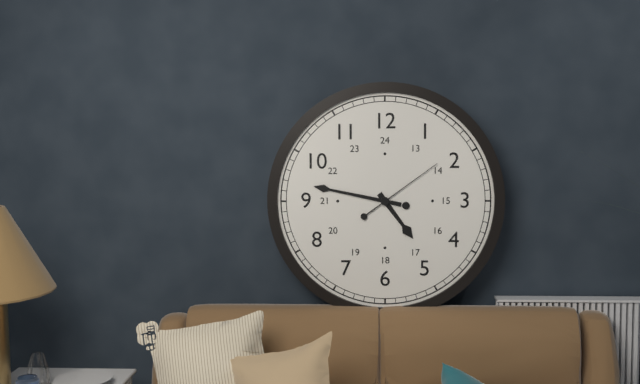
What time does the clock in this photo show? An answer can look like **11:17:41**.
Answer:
**4:47:09**
